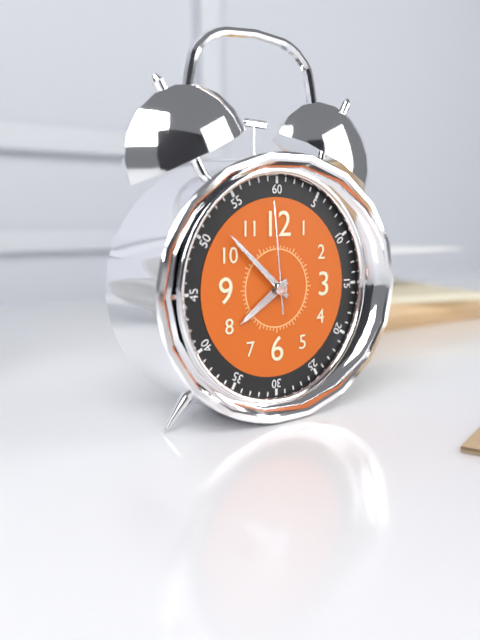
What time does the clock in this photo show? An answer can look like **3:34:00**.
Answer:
**7:52:59**
